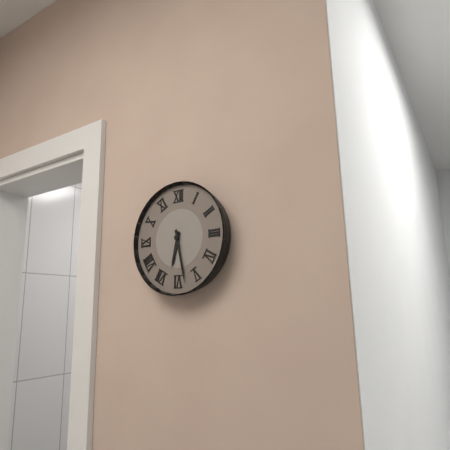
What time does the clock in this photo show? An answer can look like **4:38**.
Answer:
**6:28**
